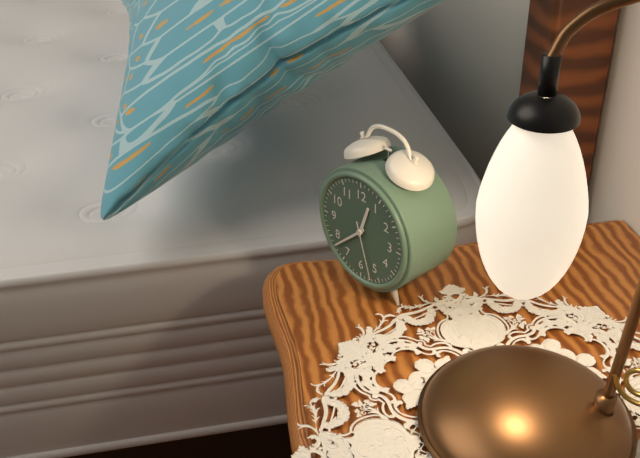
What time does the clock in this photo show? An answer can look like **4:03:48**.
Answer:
**12:38:27**
